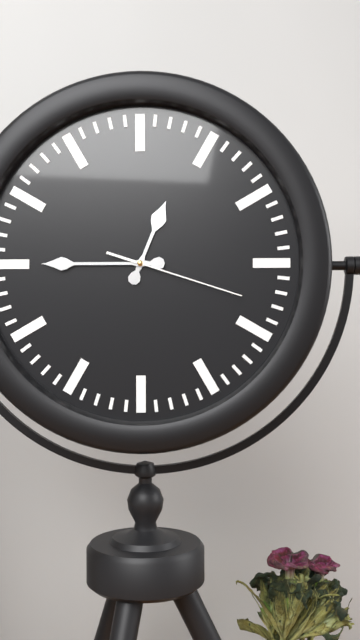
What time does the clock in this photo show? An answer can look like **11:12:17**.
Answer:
**12:45:18**
